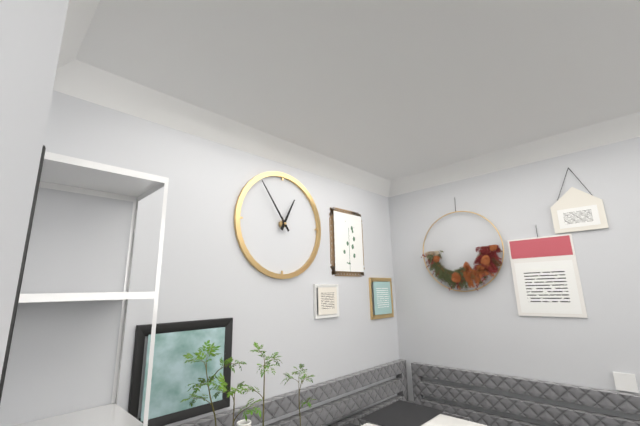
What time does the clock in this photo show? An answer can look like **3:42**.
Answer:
**12:54**
